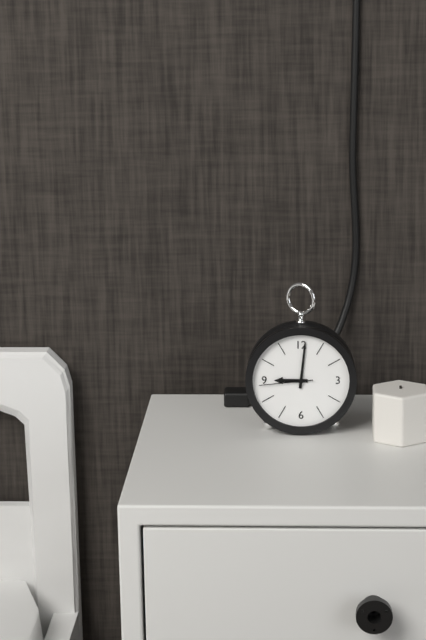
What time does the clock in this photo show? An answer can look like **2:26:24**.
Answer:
**9:01:44**
